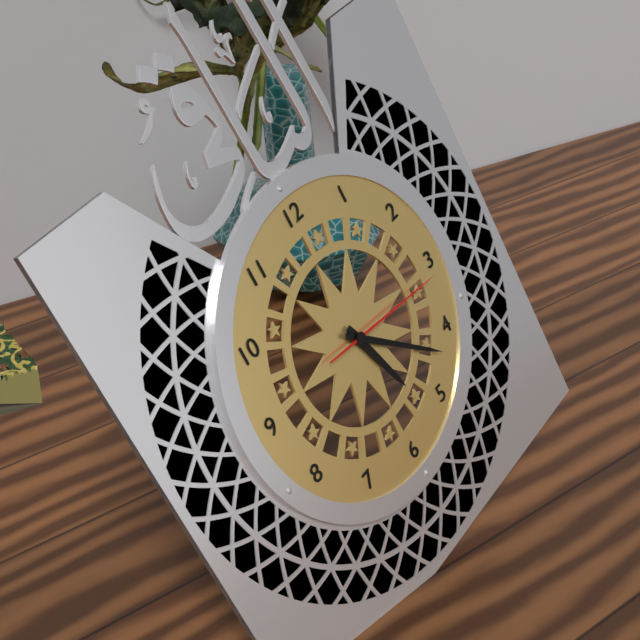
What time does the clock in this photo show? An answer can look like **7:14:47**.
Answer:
**5:22:16**
